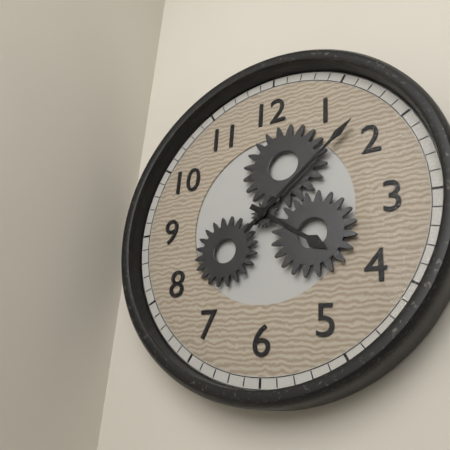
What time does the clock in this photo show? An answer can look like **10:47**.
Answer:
**4:08**
